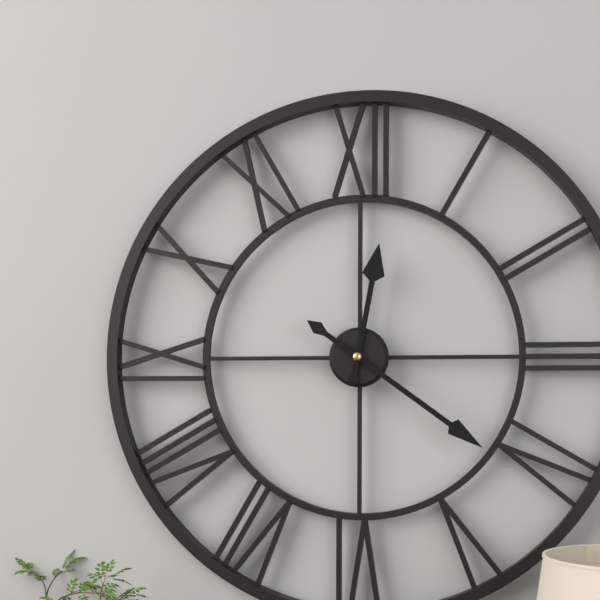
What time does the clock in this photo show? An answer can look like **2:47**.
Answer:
**12:21**
